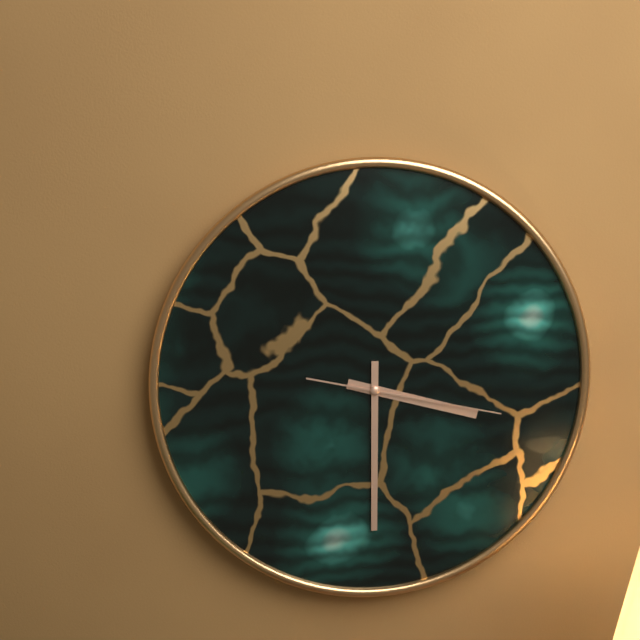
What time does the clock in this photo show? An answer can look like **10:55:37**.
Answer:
**3:30:17**
